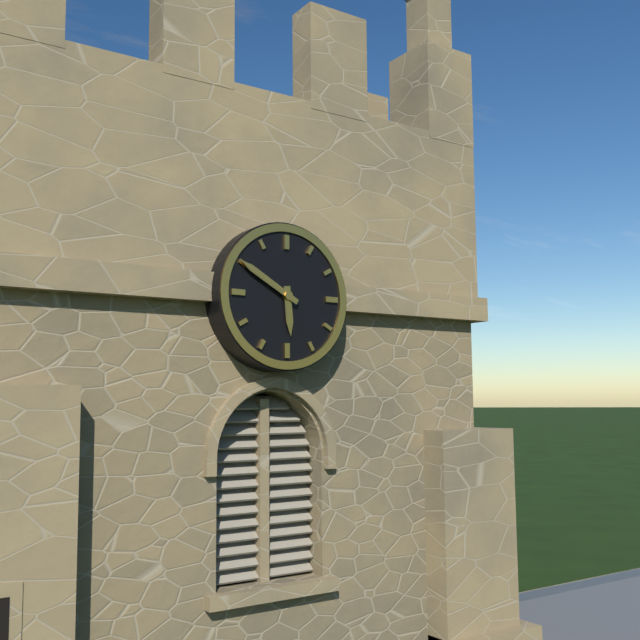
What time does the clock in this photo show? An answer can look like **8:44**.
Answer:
**5:50**
